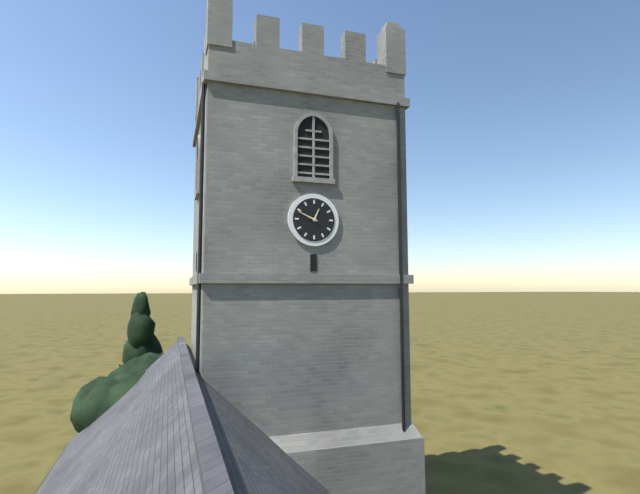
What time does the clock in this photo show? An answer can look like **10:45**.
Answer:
**12:49**
